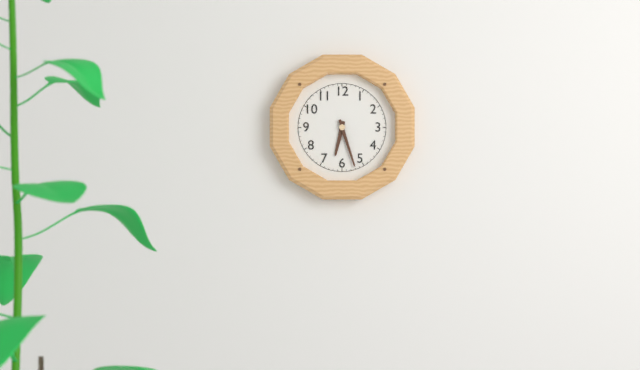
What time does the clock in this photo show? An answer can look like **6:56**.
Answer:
**6:27**
